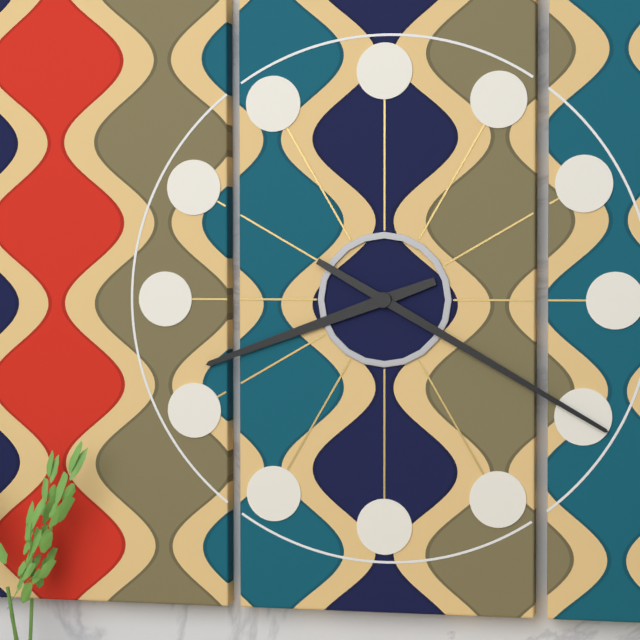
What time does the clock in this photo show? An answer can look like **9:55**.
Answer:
**8:20**
